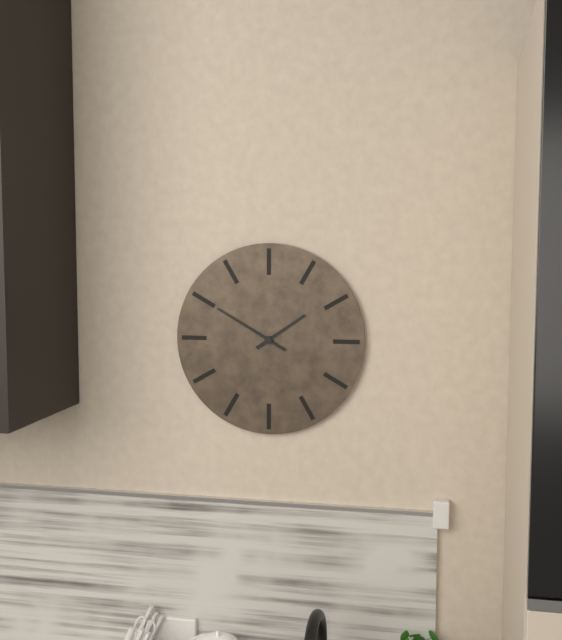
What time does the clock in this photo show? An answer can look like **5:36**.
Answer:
**1:50**
